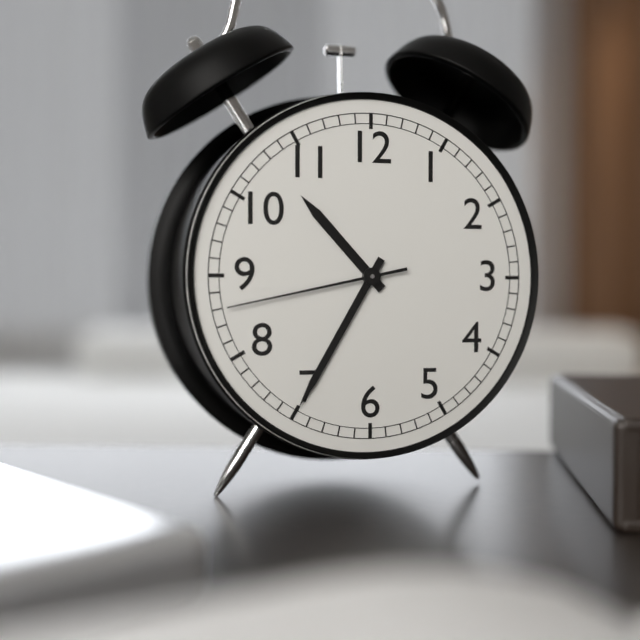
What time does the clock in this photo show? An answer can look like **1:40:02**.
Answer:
**10:35:43**
